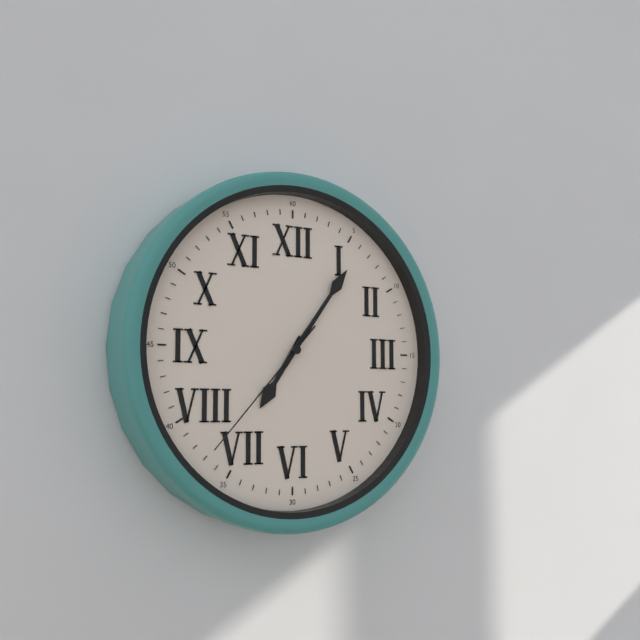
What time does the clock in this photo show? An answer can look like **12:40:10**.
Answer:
**7:06:37**
